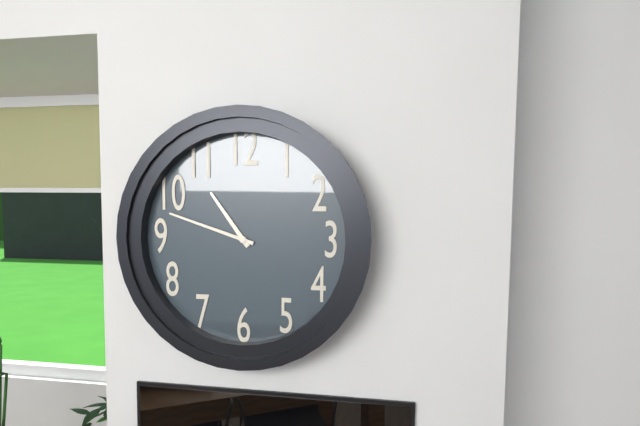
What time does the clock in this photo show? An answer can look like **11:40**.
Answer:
**10:48**
